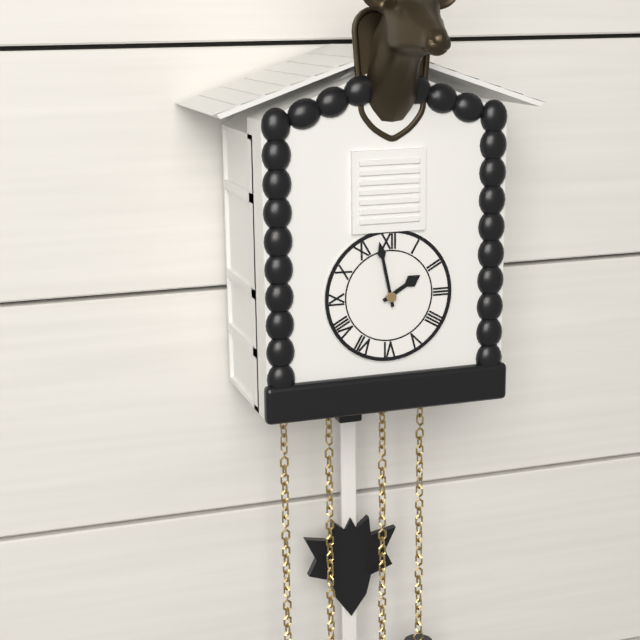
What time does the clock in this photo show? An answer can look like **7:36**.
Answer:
**1:58**
